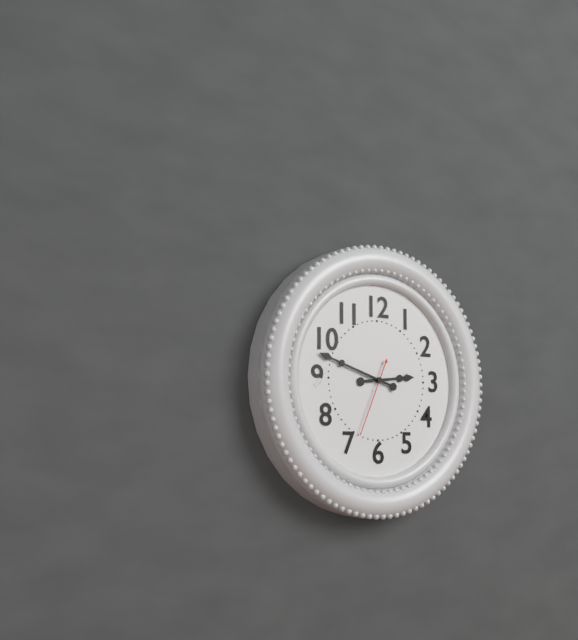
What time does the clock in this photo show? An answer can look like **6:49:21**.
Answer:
**2:48:34**
